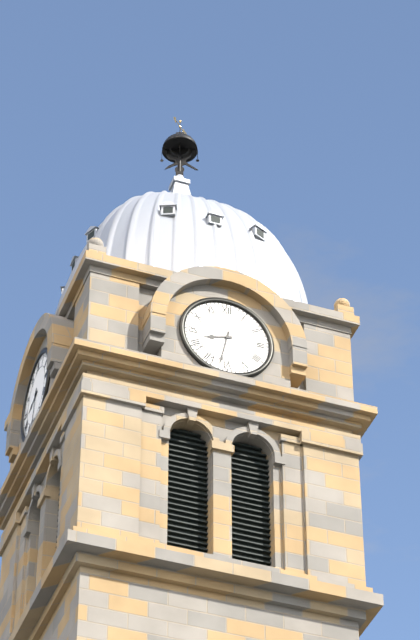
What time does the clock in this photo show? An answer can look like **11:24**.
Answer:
**8:32**
